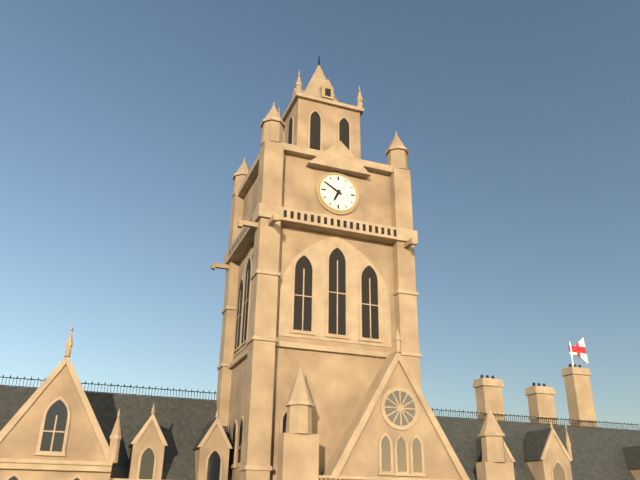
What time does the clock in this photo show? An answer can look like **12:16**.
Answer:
**6:50**
